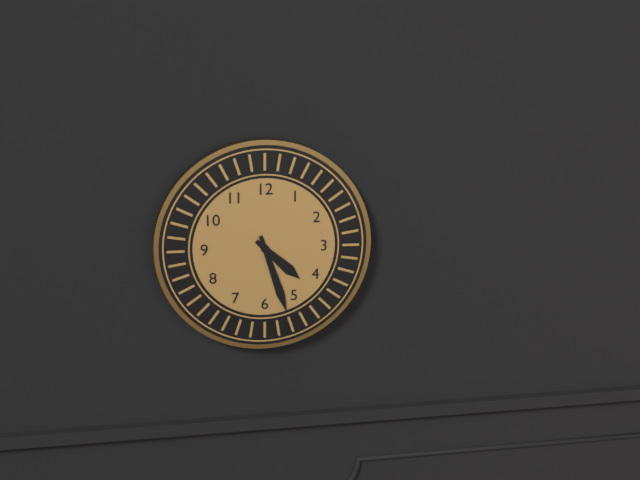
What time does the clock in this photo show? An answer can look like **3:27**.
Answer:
**4:27**
